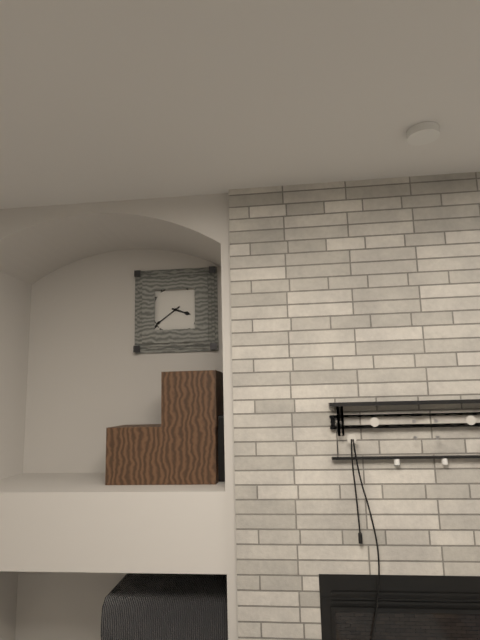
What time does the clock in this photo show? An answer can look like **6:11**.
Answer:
**3:39**
